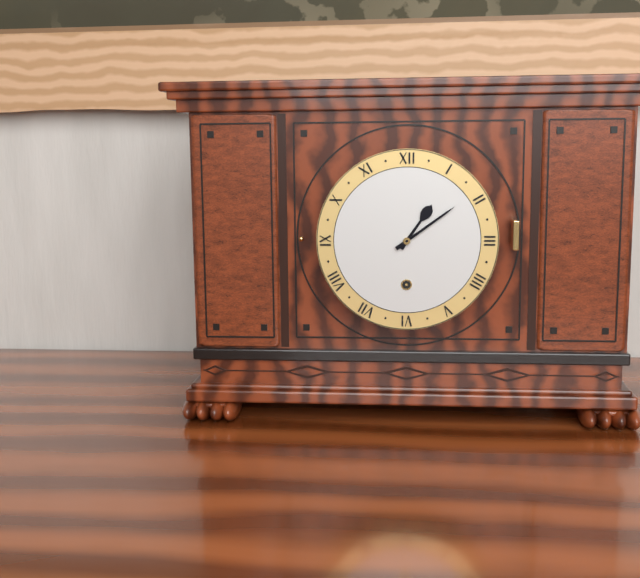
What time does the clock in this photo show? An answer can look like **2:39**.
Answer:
**1:09**
